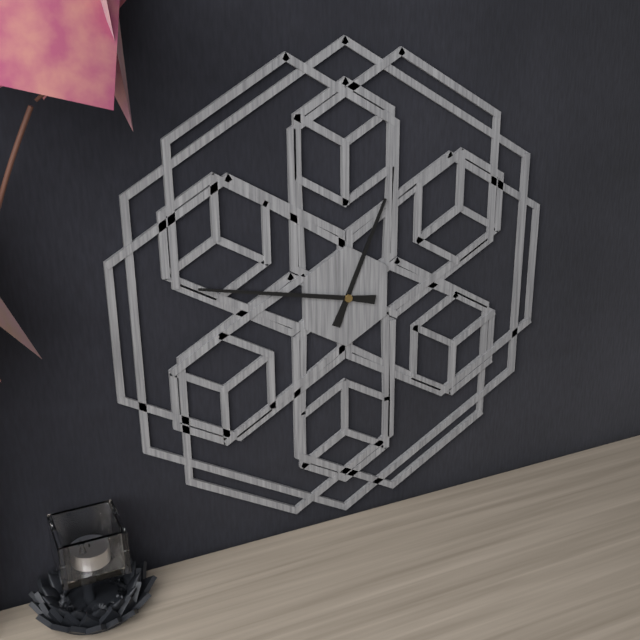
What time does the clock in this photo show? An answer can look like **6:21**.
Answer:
**12:47**
